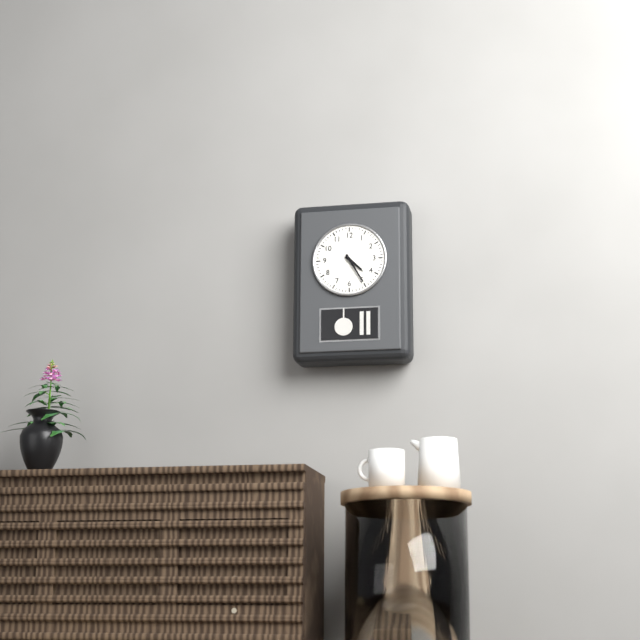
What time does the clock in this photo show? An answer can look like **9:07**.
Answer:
**4:25**
